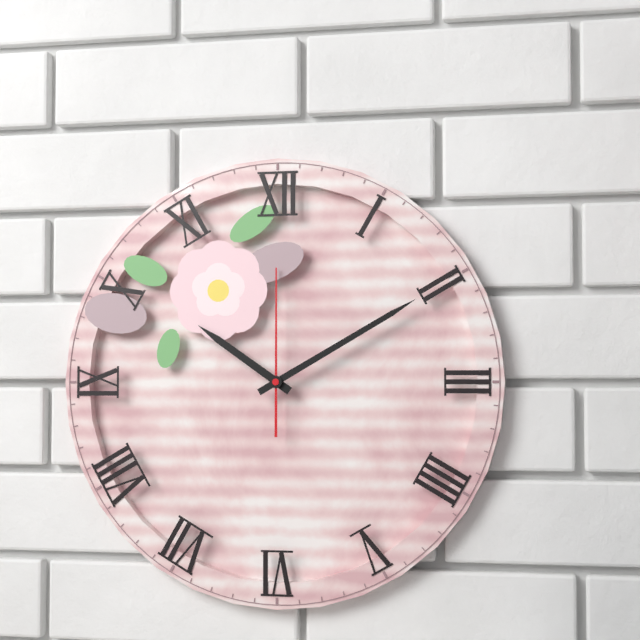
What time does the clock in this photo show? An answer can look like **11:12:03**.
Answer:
**10:10:00**
